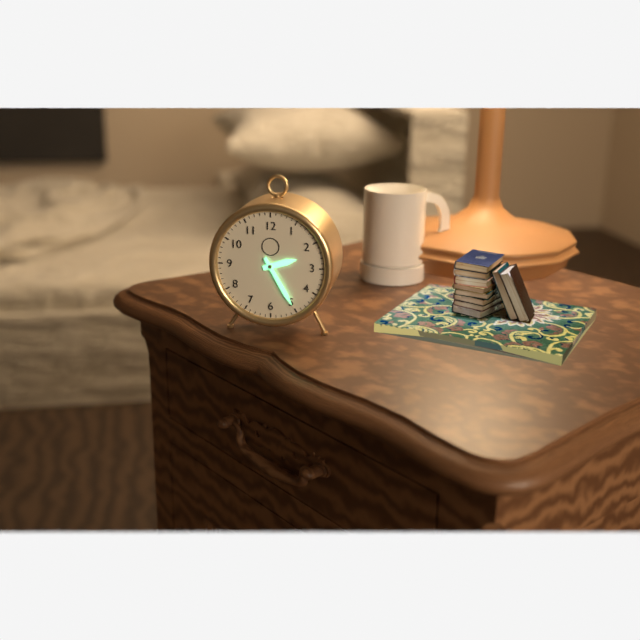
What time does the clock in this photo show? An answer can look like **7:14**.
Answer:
**2:25**
